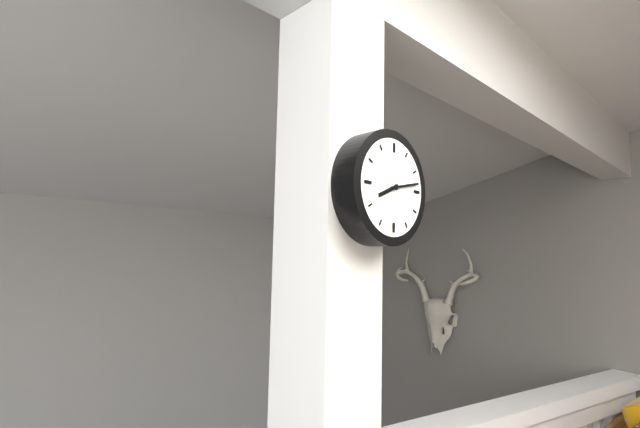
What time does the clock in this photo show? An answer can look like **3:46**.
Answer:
**8:13**
